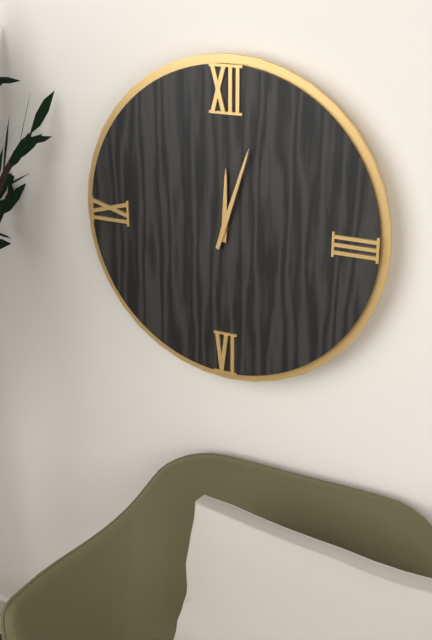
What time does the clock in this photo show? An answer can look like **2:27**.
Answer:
**12:03**
